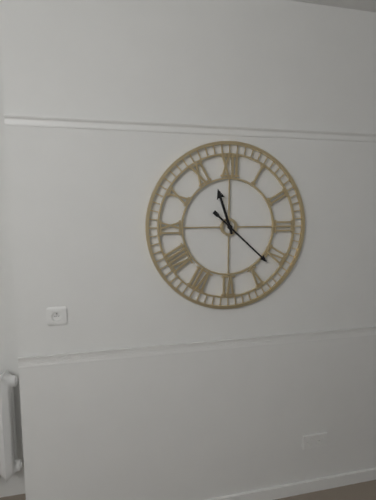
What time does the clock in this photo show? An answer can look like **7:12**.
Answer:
**11:22**
